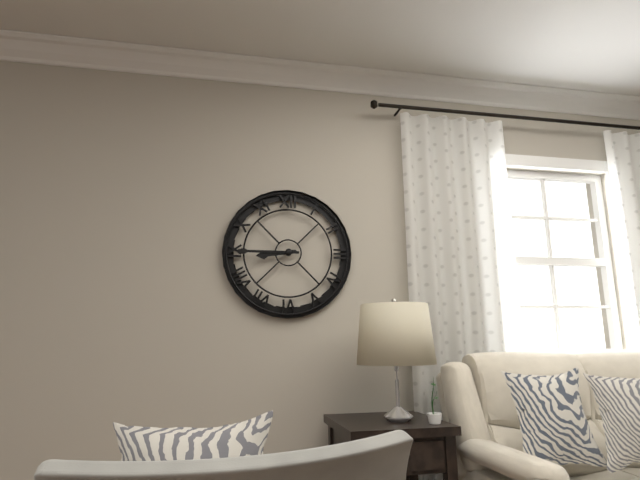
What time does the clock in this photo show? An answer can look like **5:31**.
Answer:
**8:45**
